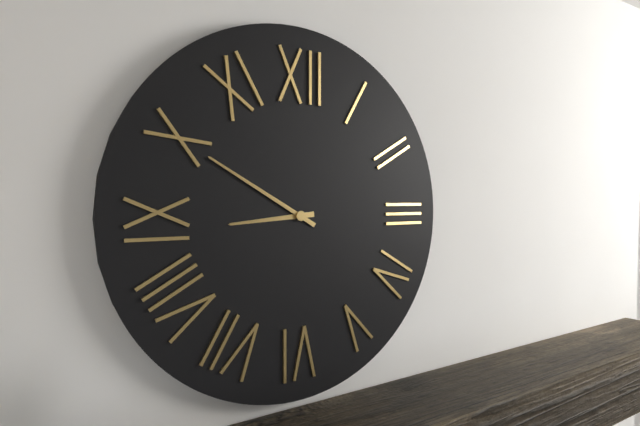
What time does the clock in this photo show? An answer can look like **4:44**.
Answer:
**8:50**
